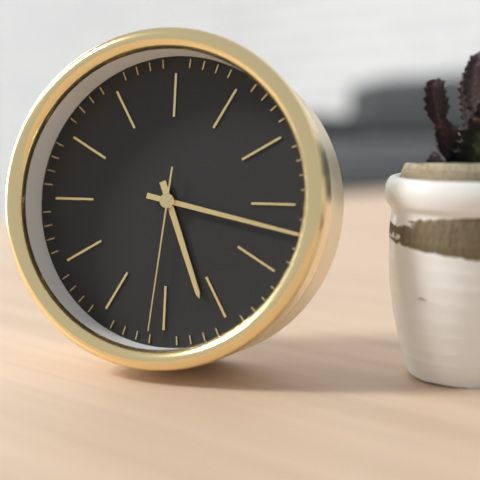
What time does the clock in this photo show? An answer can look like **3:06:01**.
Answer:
**5:17:31**
